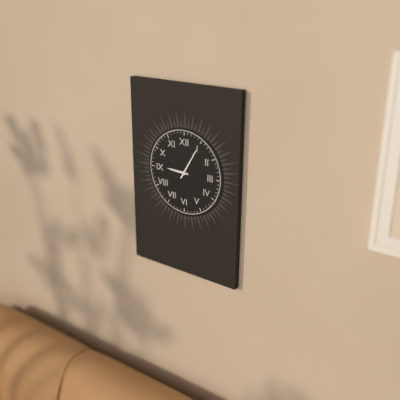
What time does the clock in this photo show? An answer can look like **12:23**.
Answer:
**9:05**
